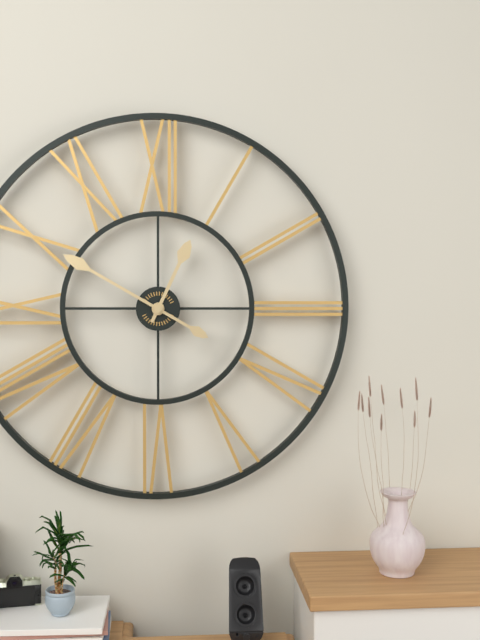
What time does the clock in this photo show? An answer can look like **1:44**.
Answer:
**12:50**
